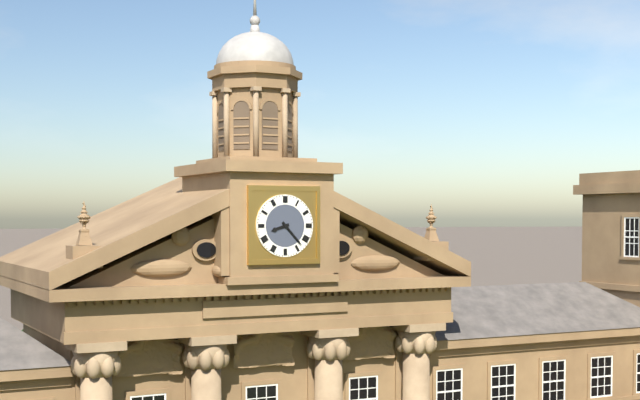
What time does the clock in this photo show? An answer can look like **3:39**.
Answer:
**8:23**
